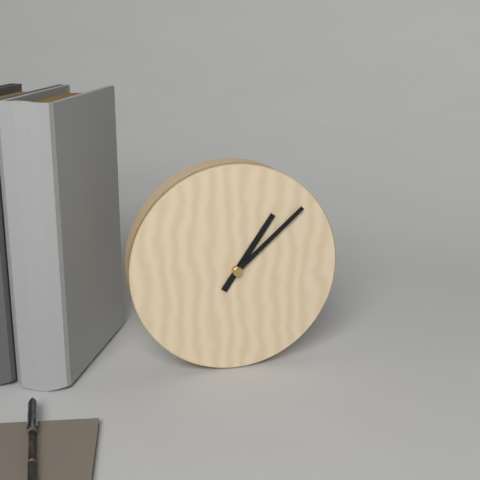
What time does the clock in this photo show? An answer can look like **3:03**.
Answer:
**1:08**
